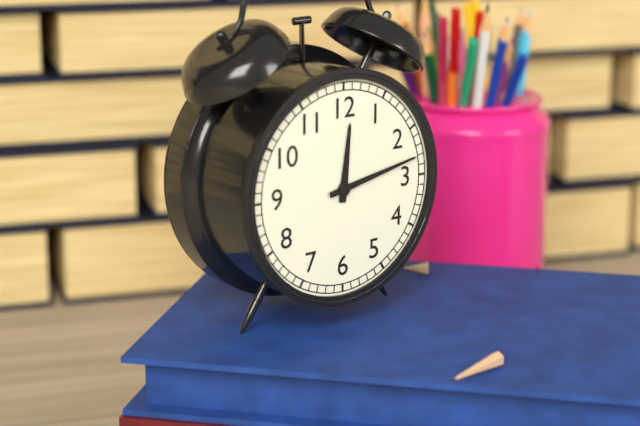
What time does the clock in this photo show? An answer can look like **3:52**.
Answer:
**12:13**
